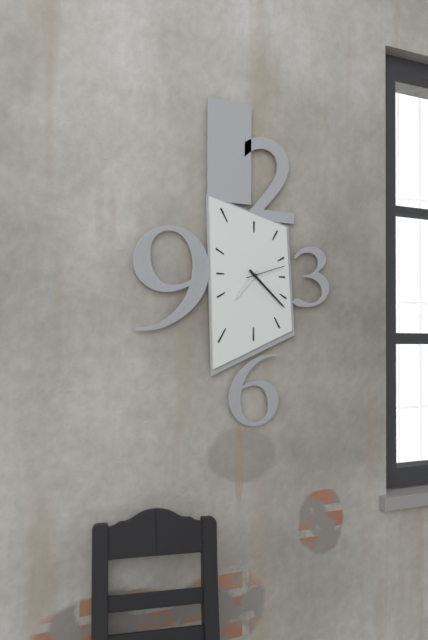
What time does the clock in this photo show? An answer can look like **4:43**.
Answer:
**7:22**
